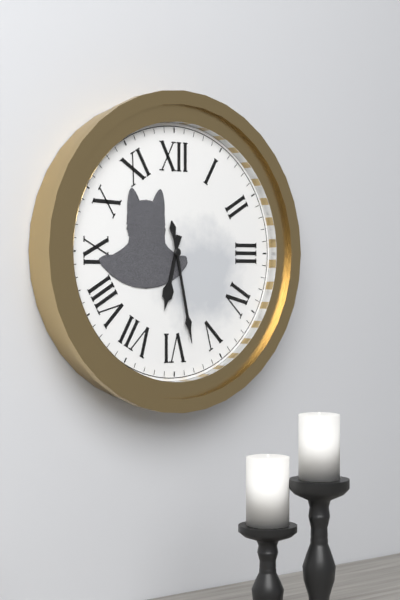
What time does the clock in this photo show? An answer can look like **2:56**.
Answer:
**6:28**
